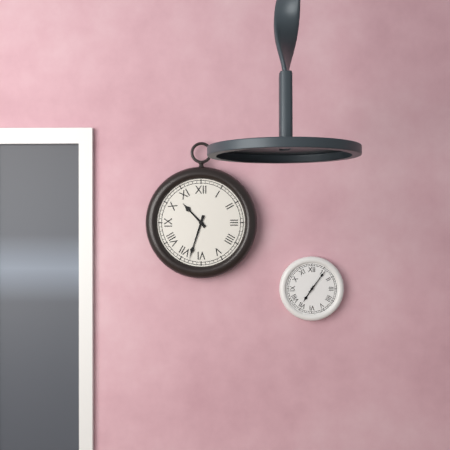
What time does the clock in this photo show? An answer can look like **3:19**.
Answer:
**10:33**
